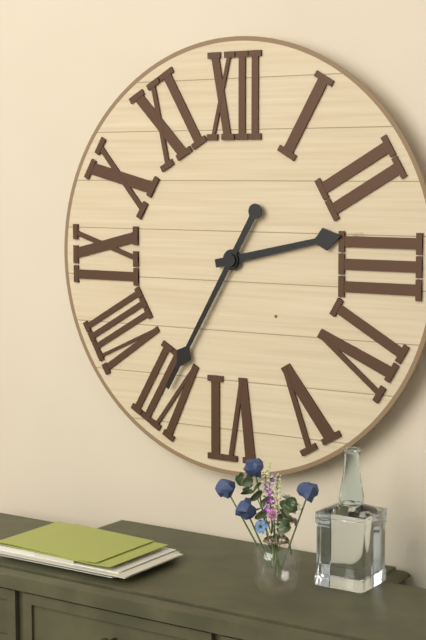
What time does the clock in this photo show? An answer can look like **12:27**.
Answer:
**2:35**
